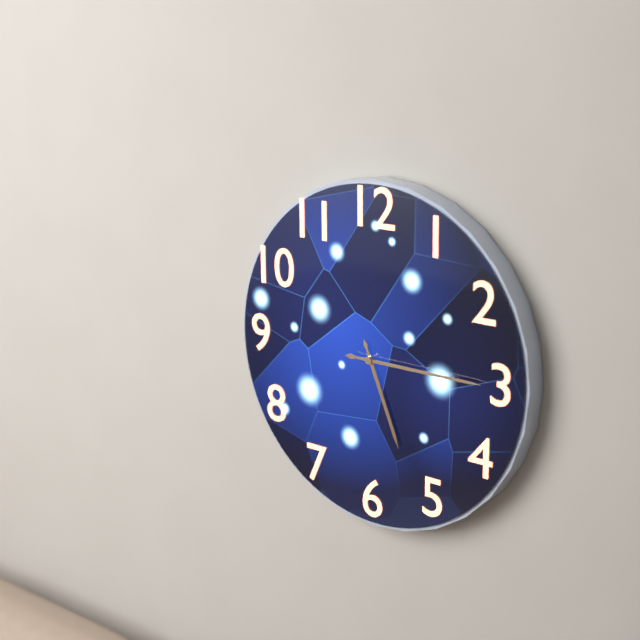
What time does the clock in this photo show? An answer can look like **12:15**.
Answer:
**5:15**
